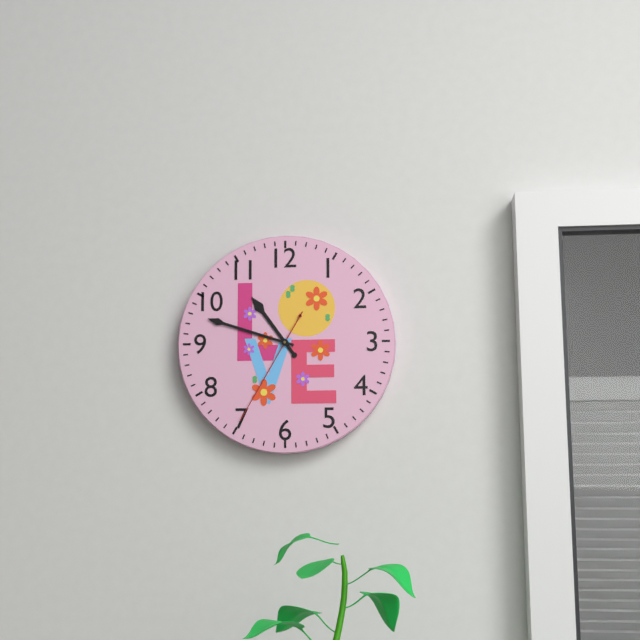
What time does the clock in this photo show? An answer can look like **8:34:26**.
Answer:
**10:48:35**
